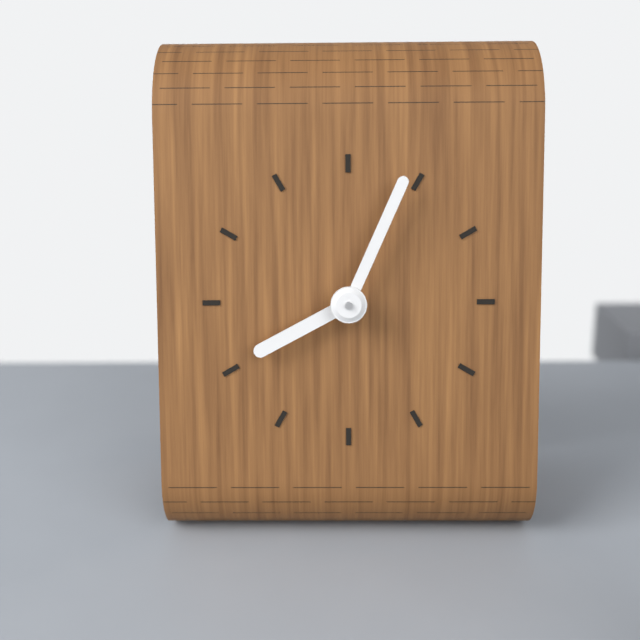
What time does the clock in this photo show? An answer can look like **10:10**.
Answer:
**8:04**
